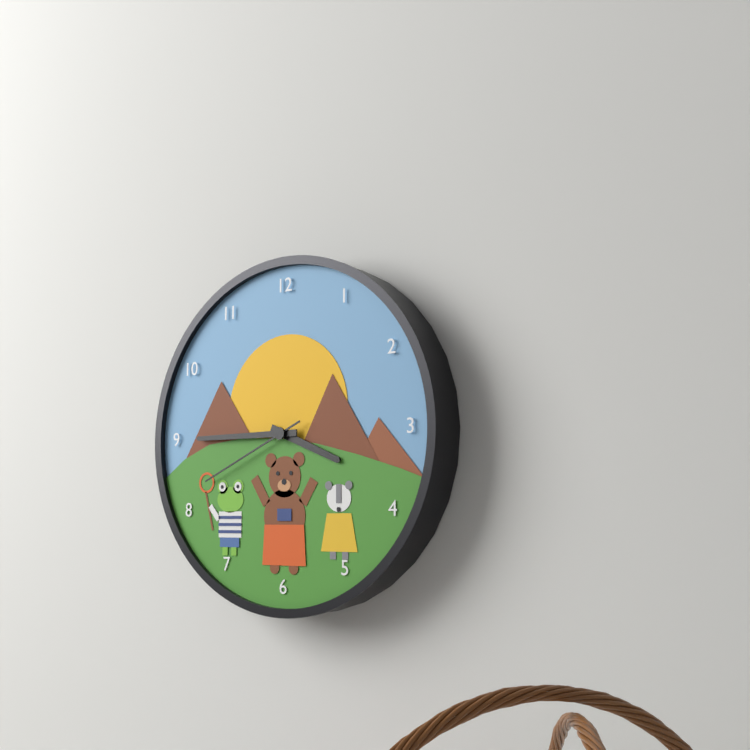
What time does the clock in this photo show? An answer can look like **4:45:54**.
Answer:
**3:45:41**
